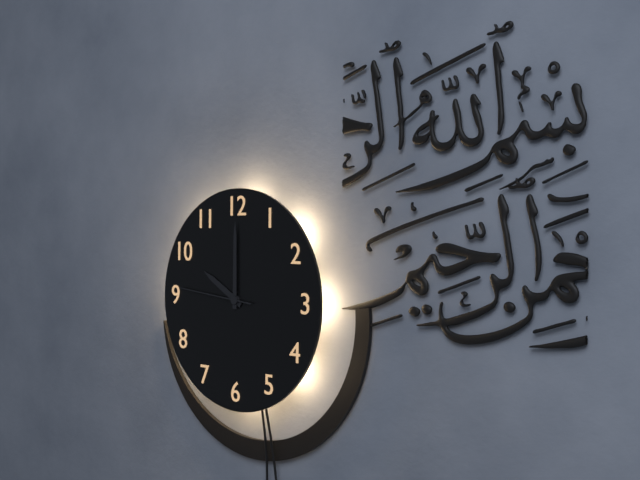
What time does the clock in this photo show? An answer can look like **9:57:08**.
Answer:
**10:00:46**
